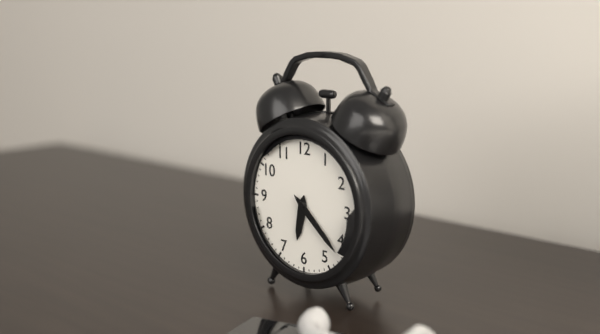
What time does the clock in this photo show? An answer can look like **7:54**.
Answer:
**6:22**
